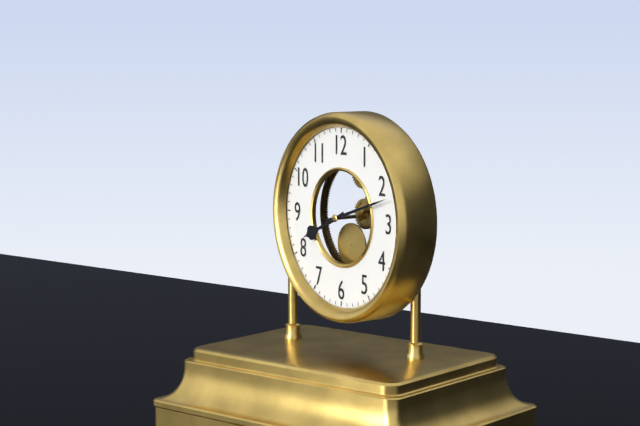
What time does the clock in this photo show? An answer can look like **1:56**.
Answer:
**8:12**
